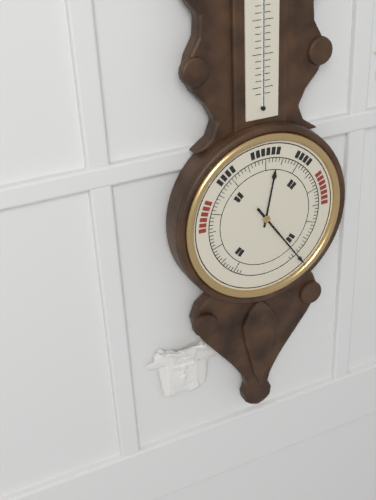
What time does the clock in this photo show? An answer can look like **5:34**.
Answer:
**12:24**
